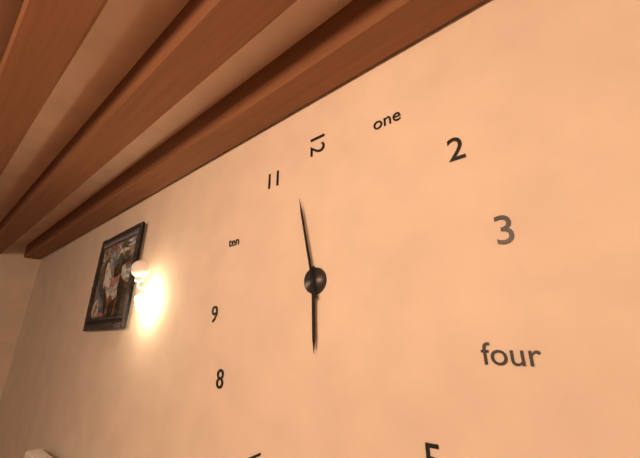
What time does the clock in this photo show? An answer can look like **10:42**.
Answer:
**5:58**
